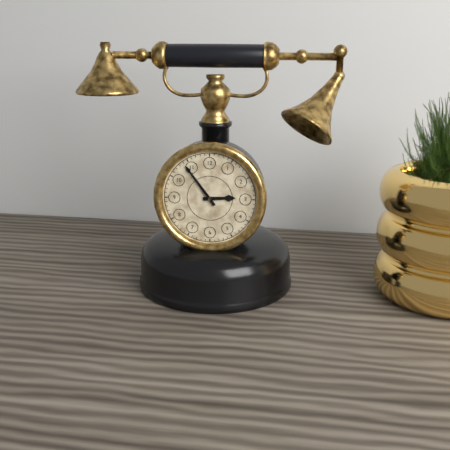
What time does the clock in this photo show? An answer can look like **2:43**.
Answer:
**2:54**
